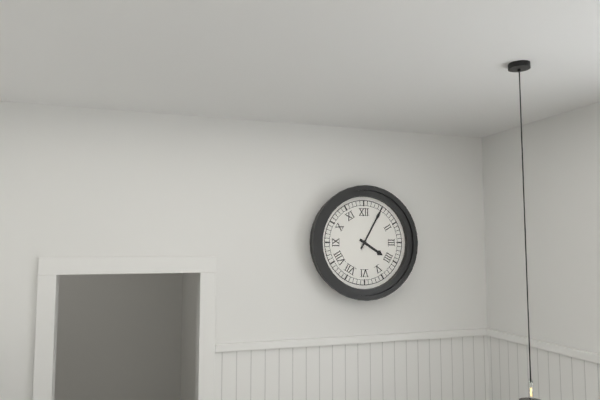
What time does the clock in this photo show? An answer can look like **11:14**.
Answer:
**4:05**
